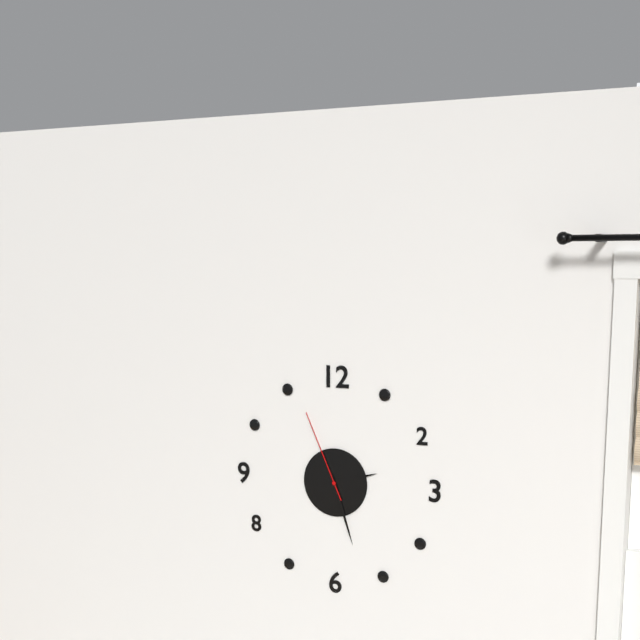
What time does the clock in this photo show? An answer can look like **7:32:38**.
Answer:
**2:27:56**
